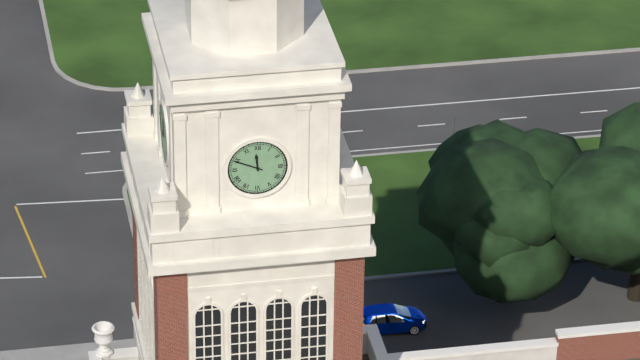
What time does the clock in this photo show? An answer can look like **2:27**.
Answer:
**11:49**
